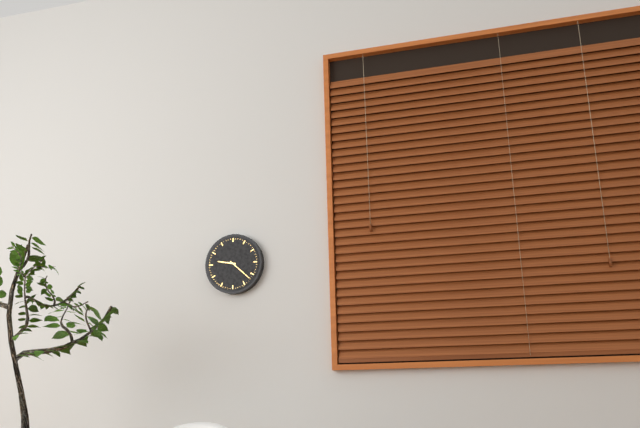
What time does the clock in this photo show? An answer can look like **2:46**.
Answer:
**9:22**
